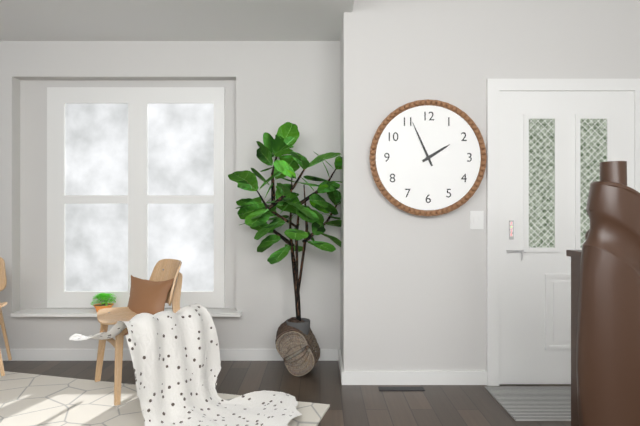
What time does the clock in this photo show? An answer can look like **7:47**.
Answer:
**1:56**
